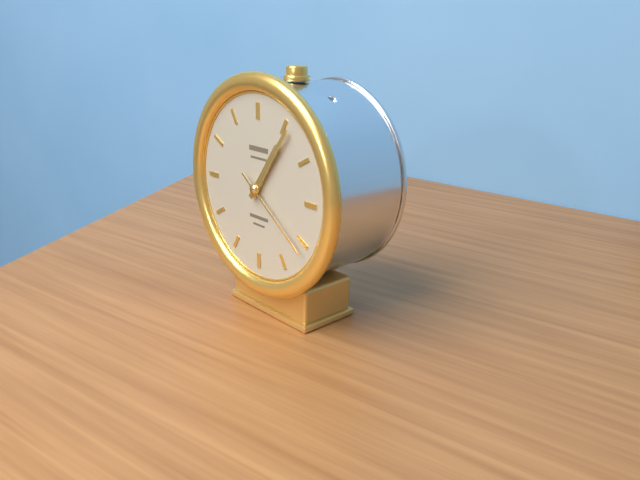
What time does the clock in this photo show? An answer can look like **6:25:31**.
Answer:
**1:06:21**
